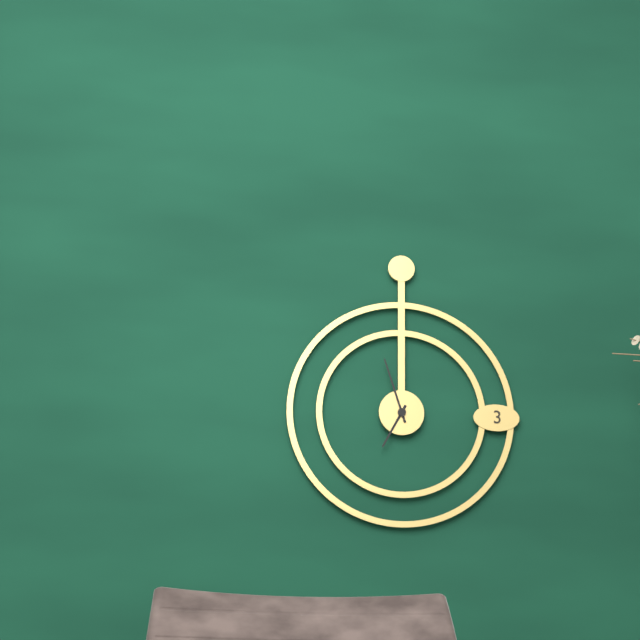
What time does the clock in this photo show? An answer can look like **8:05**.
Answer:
**6:57**
